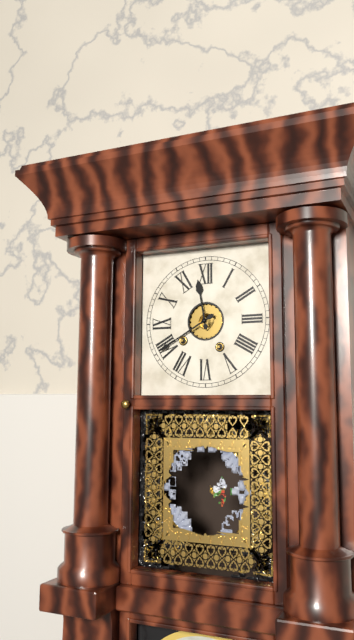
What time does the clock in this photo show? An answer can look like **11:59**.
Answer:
**11:40**
